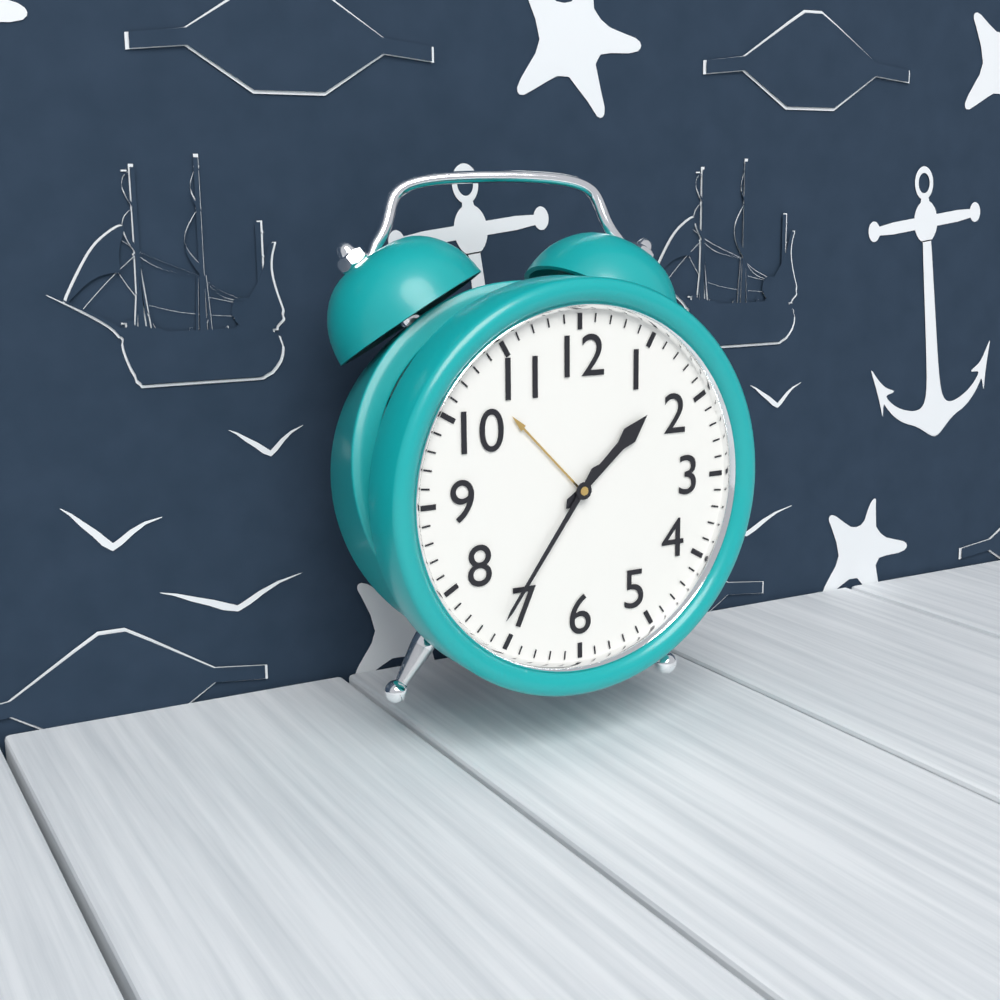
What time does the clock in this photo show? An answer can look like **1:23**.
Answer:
**1:36**
